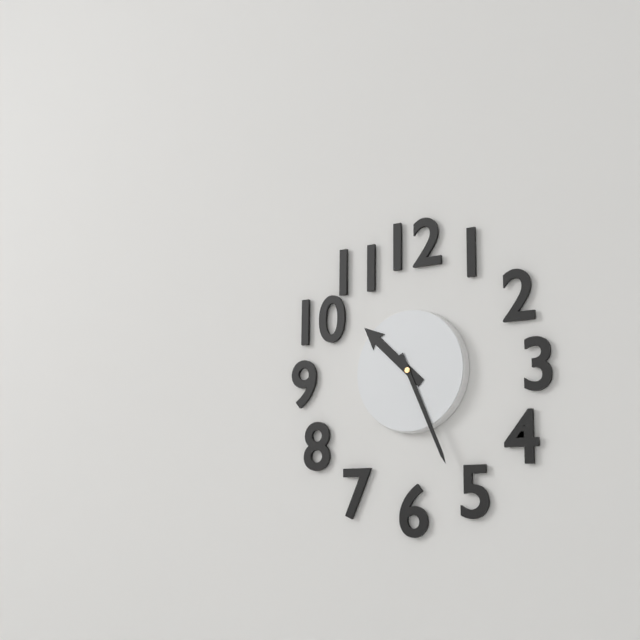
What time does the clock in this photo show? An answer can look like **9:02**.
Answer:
**10:26**
